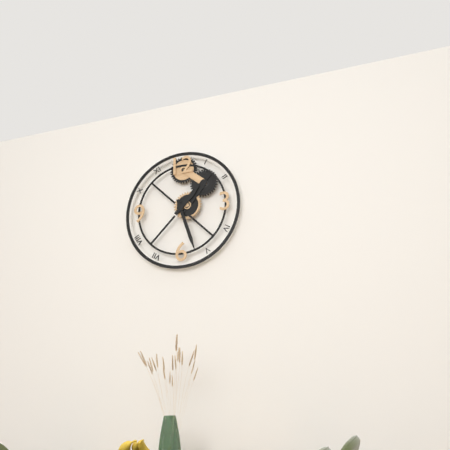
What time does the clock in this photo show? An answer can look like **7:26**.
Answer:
**1:27**
